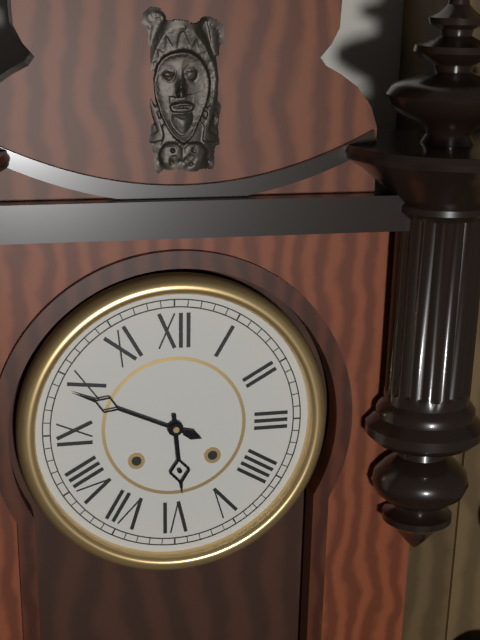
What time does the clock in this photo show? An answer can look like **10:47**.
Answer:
**5:49**
